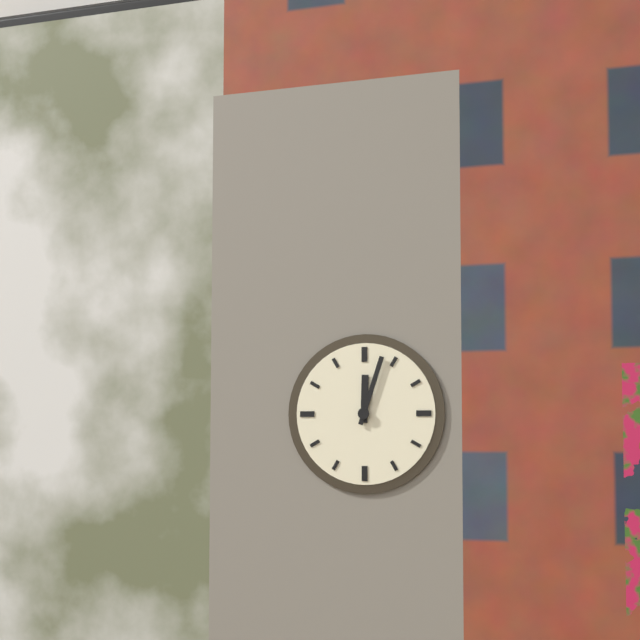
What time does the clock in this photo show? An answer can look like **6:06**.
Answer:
**12:03**
